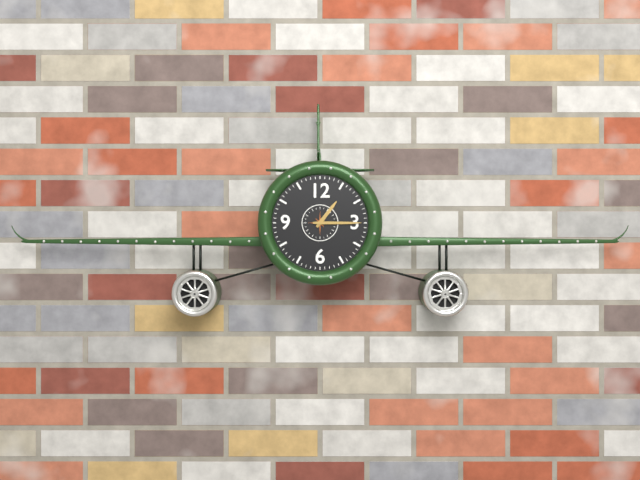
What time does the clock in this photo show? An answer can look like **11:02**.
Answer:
**1:15**
